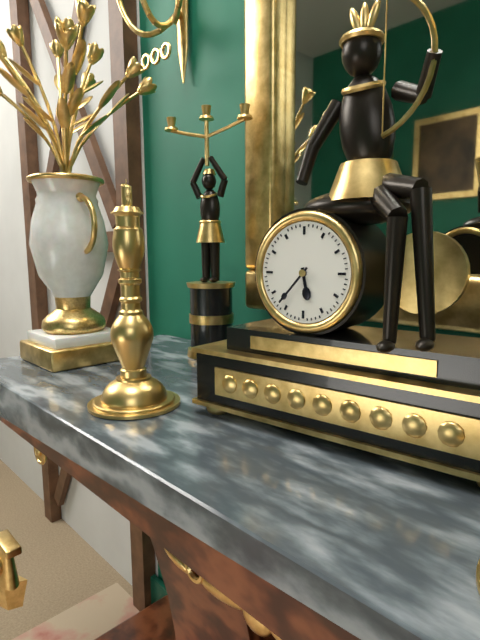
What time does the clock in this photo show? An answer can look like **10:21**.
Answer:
**5:37**
